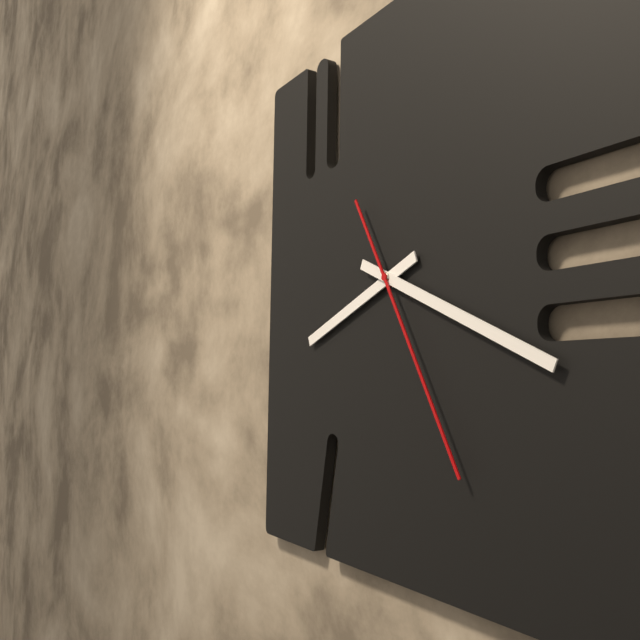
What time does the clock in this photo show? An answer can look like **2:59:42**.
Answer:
**8:19:25**
